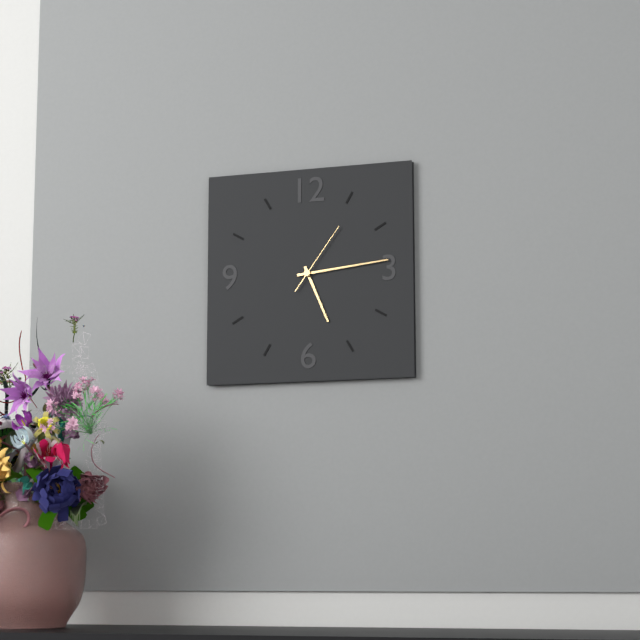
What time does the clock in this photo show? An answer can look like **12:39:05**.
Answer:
**5:14:06**
